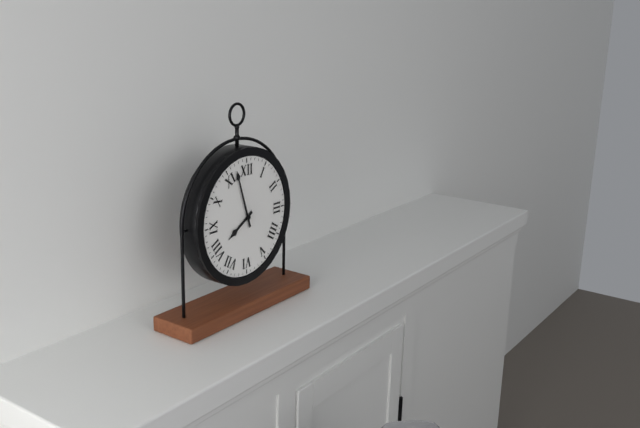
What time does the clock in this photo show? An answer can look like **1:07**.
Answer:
**7:57**
